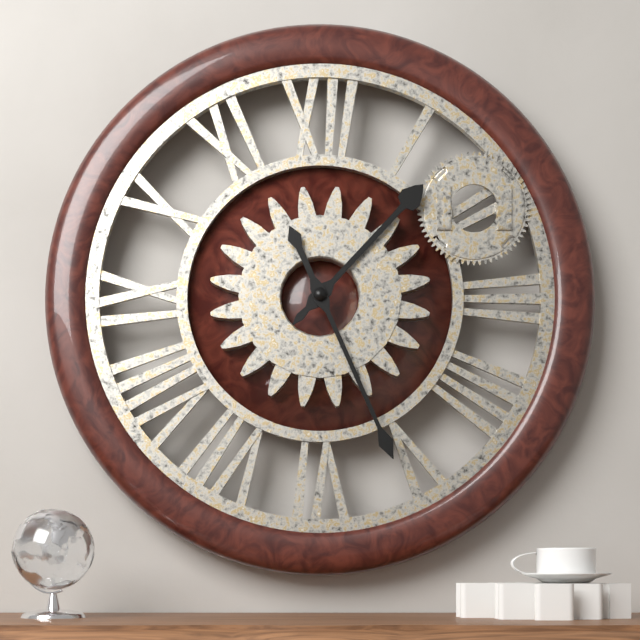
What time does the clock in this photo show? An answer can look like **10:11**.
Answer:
**1:26**
